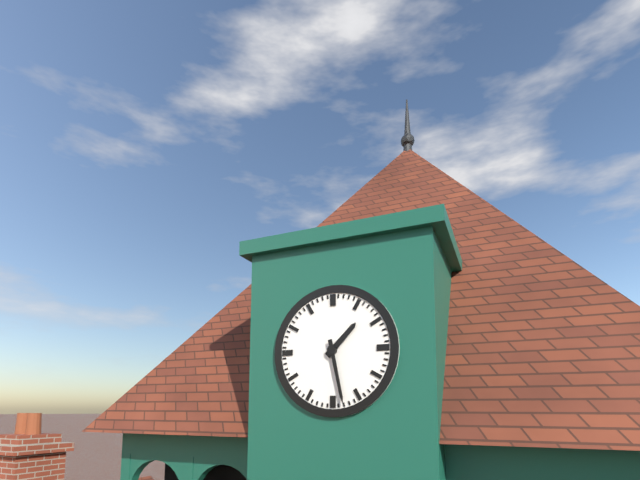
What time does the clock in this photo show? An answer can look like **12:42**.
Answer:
**1:28**
